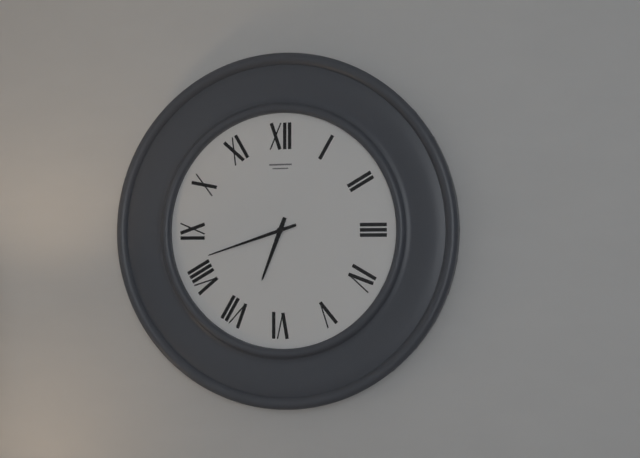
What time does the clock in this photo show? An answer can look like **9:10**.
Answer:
**6:42**
